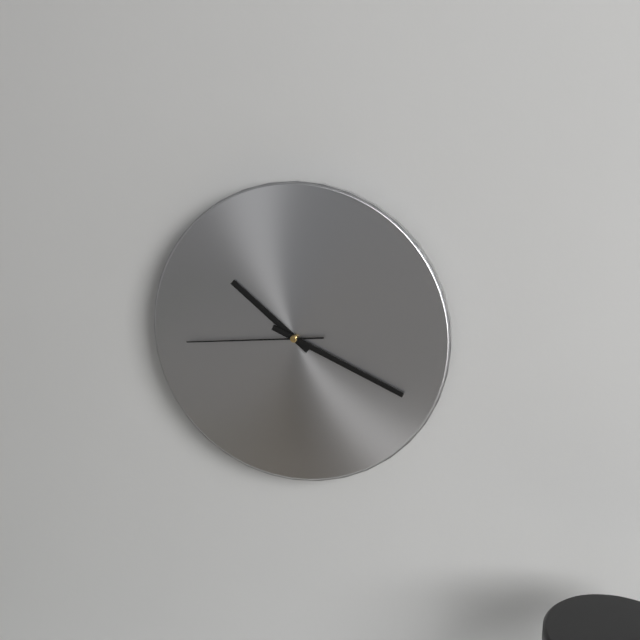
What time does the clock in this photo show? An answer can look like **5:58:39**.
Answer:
**10:19:44**
